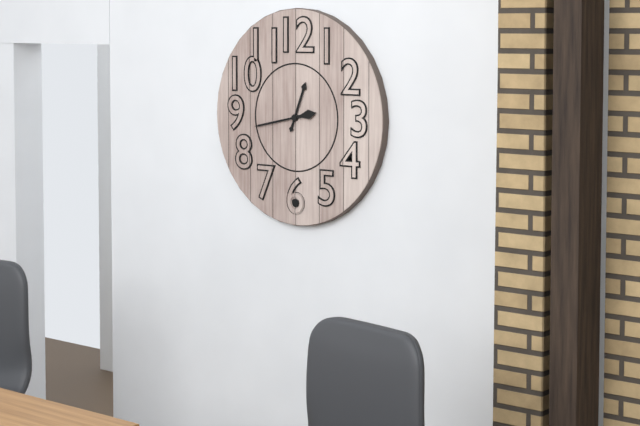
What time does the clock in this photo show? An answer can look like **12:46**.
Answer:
**12:43**
